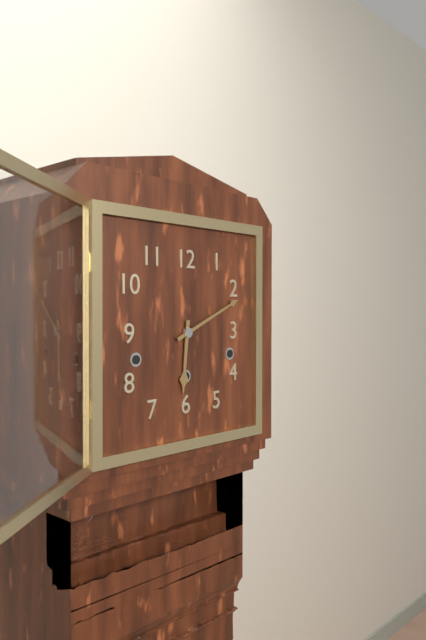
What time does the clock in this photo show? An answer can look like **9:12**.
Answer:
**6:11**
